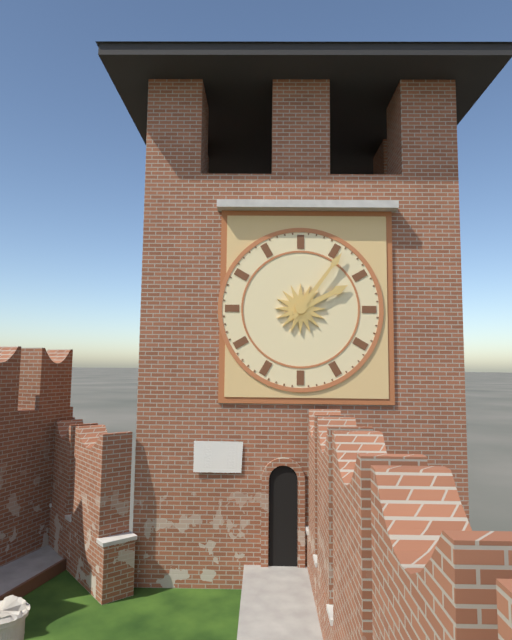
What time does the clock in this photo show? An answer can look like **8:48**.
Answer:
**2:06**
